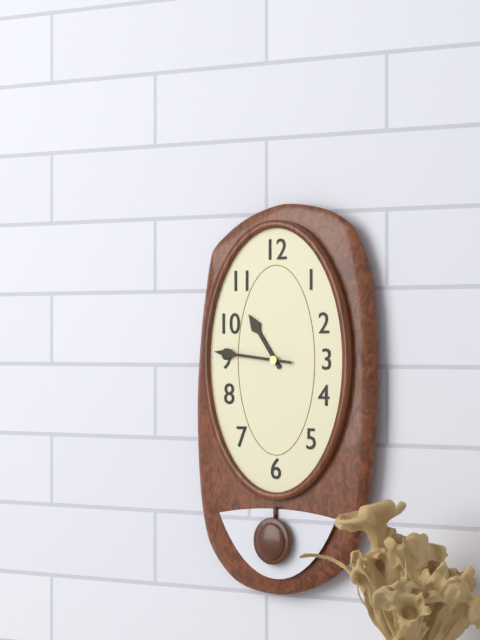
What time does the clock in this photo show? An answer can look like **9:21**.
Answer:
**10:46**
